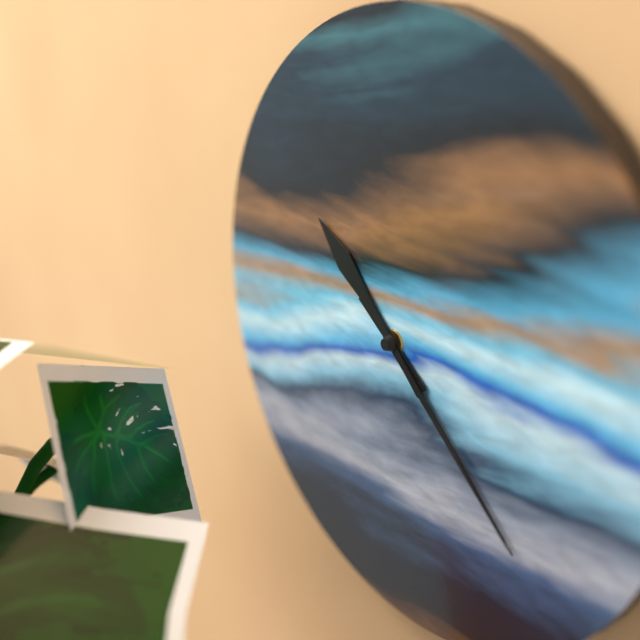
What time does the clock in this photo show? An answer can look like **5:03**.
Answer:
**10:22**
